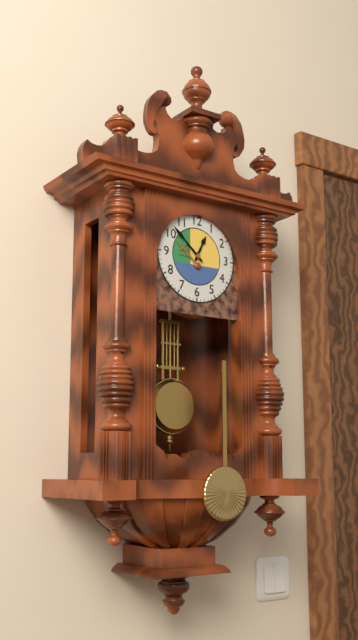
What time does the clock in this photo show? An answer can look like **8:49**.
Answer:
**12:52**
